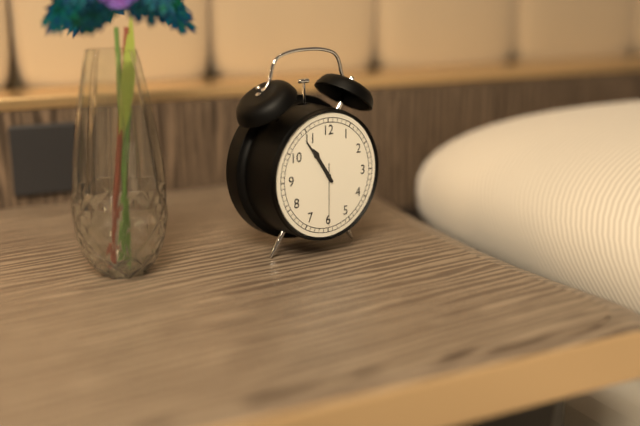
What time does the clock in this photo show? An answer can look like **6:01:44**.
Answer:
**10:54:30**
